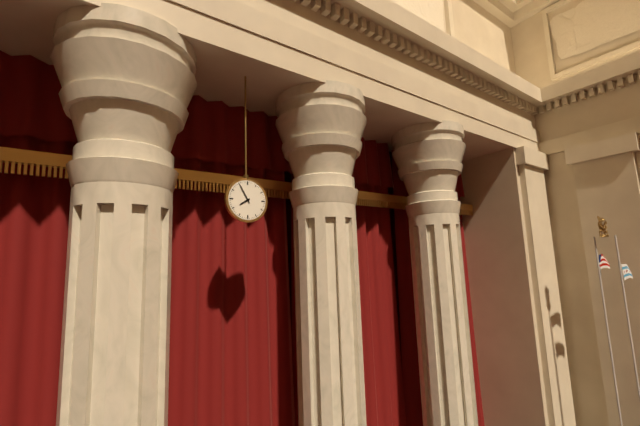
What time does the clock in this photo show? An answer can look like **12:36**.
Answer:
**7:55**
